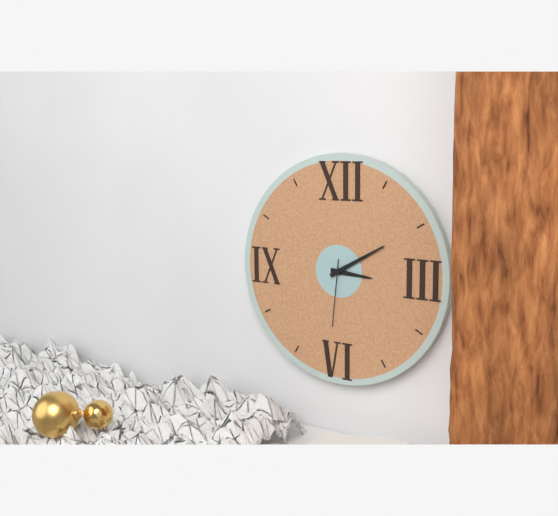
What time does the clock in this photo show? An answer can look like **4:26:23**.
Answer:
**3:10:31**
